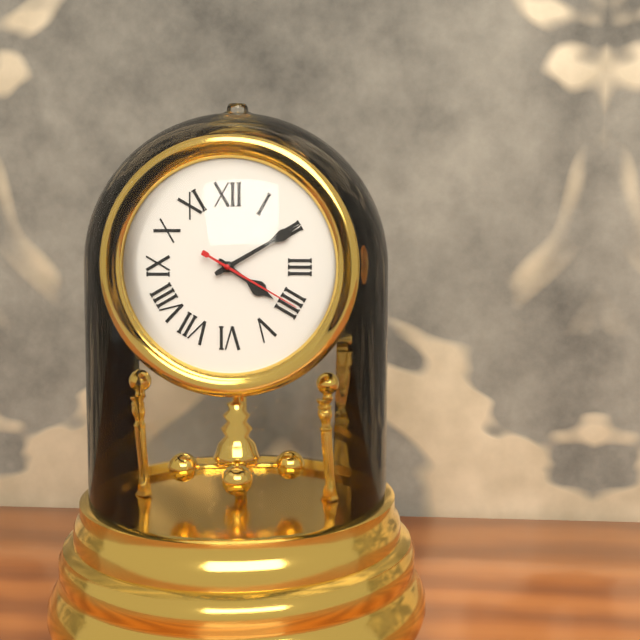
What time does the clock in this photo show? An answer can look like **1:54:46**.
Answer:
**4:10:20**
